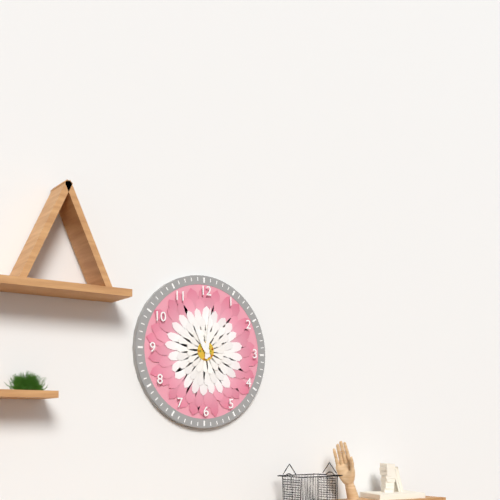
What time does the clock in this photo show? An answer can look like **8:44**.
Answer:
**11:01**
